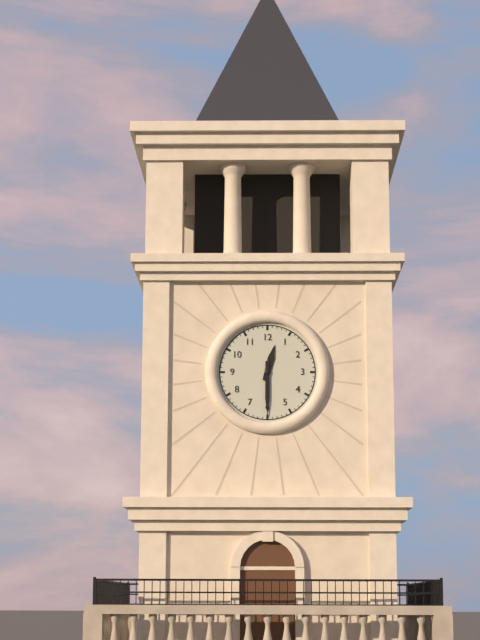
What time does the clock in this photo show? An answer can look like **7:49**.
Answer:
**12:30**
